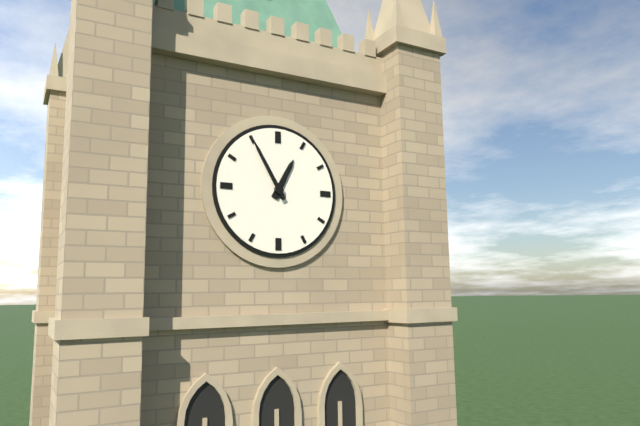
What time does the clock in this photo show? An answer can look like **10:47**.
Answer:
**12:55**
